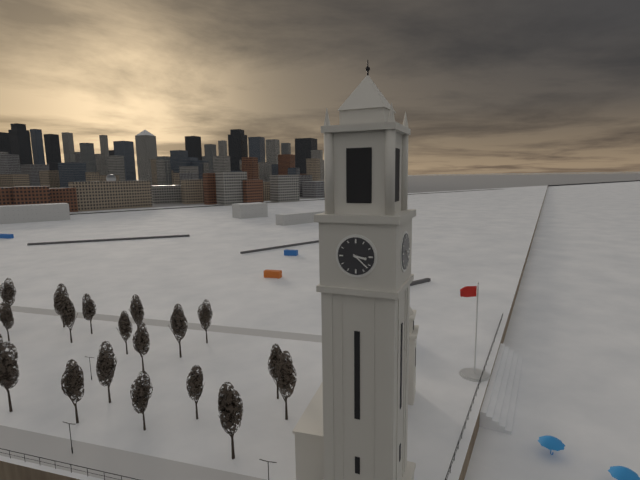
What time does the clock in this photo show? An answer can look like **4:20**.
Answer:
**3:22**
